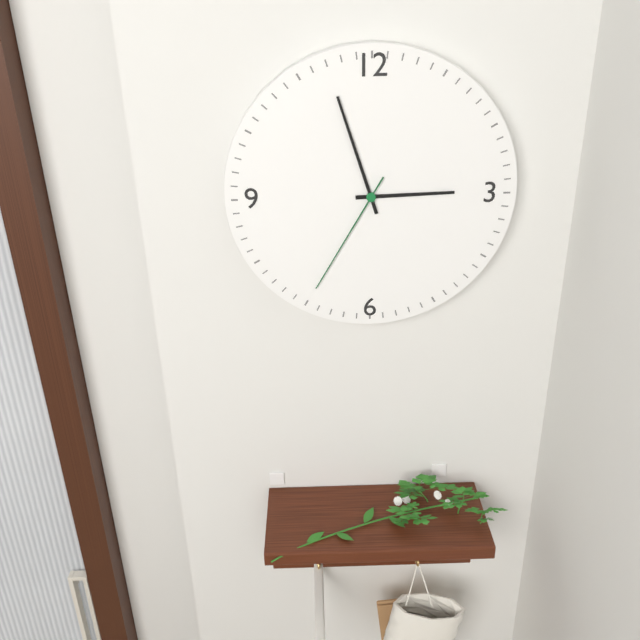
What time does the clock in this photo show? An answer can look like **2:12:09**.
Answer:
**2:57:35**
